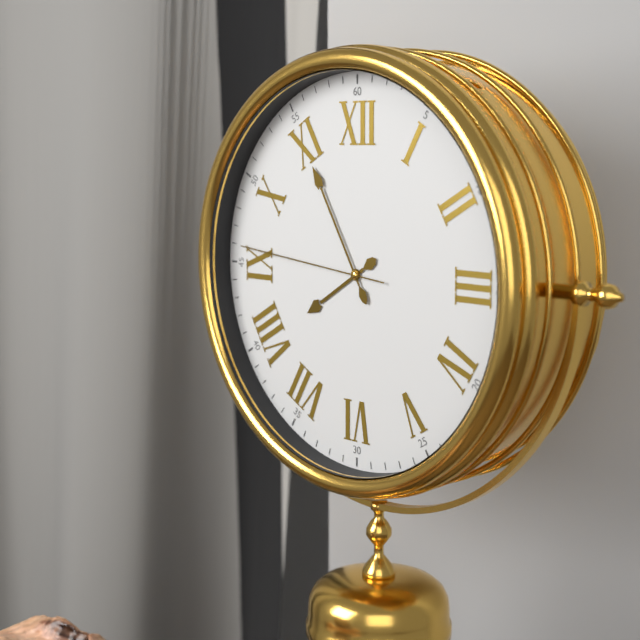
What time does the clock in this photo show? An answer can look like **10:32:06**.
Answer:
**7:55:46**
